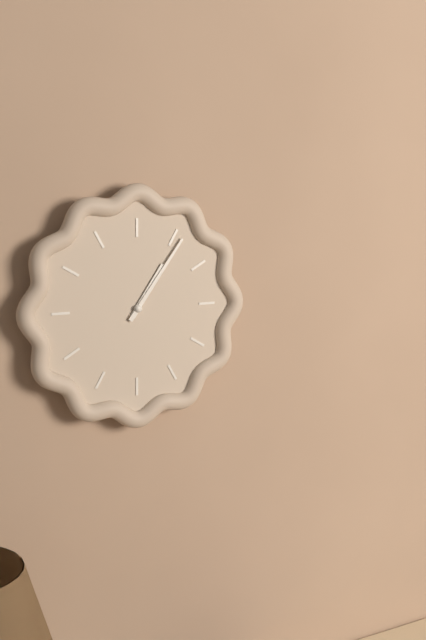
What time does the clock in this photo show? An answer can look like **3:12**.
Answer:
**1:06**
